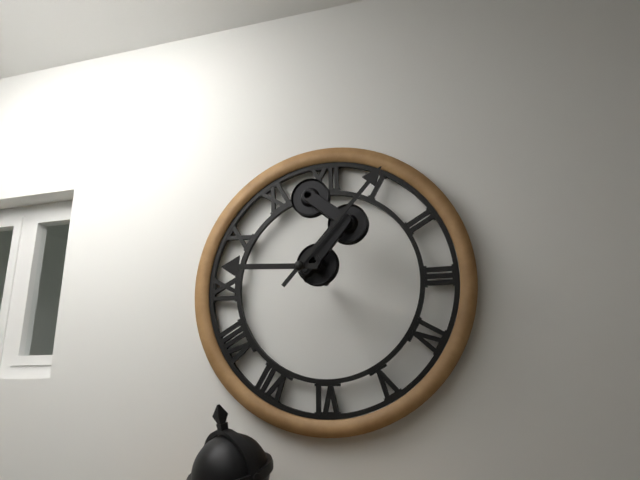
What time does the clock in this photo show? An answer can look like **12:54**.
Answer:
**9:07**
